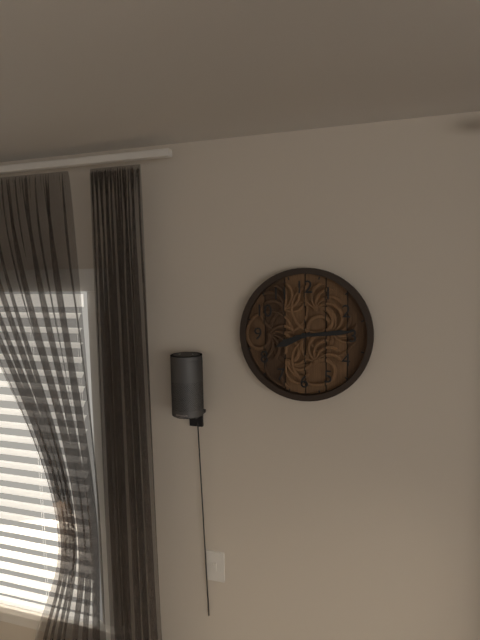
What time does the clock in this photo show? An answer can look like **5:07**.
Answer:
**8:14**
